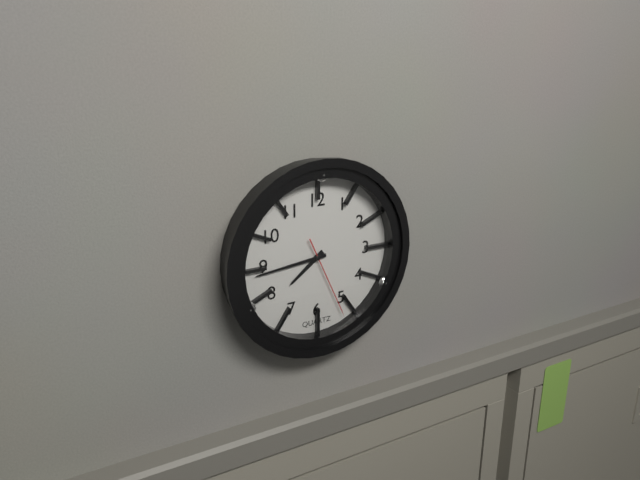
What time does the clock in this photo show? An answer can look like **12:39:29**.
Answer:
**7:44:26**
